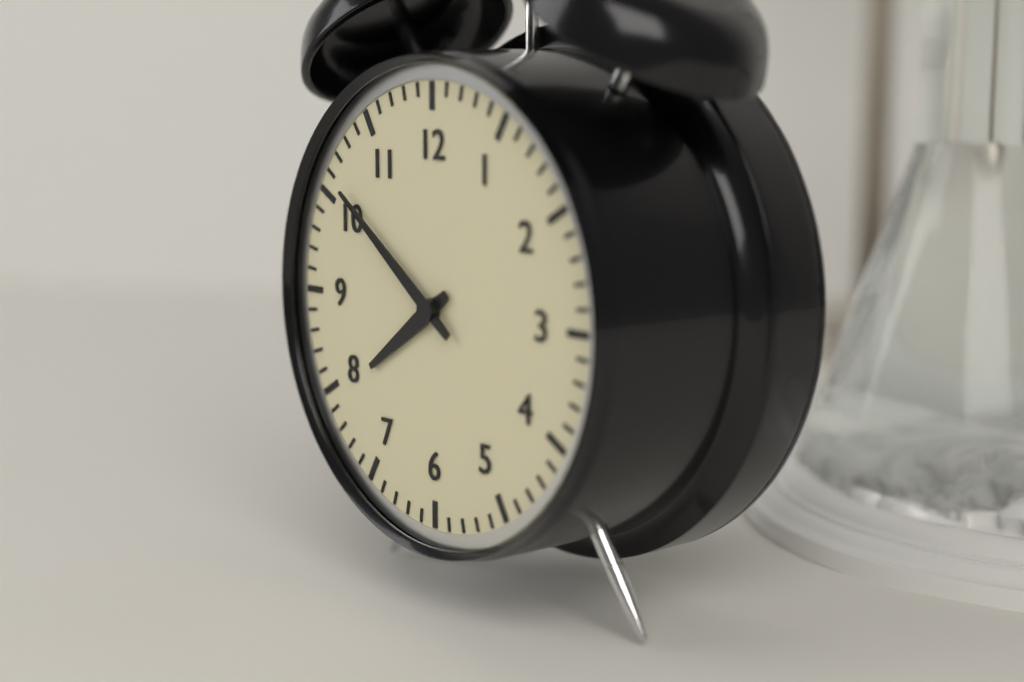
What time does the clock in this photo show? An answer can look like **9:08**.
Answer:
**7:51**
